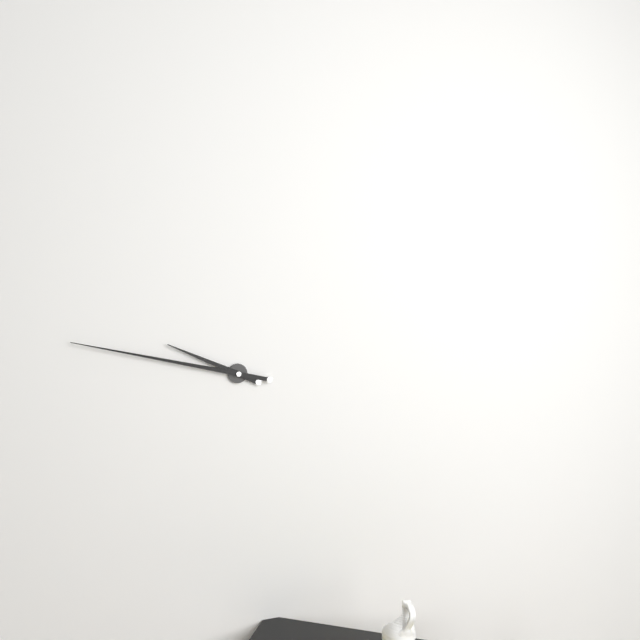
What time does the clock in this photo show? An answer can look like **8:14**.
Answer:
**9:47**
